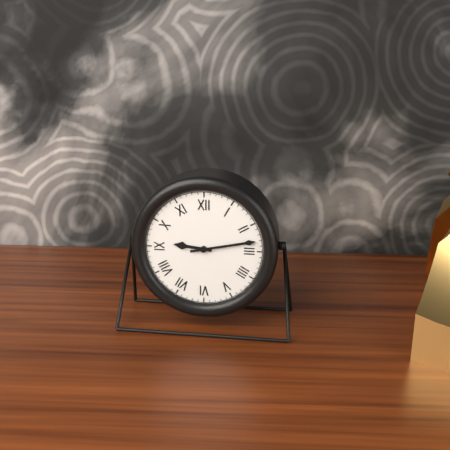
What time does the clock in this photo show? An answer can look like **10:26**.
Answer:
**9:13**
